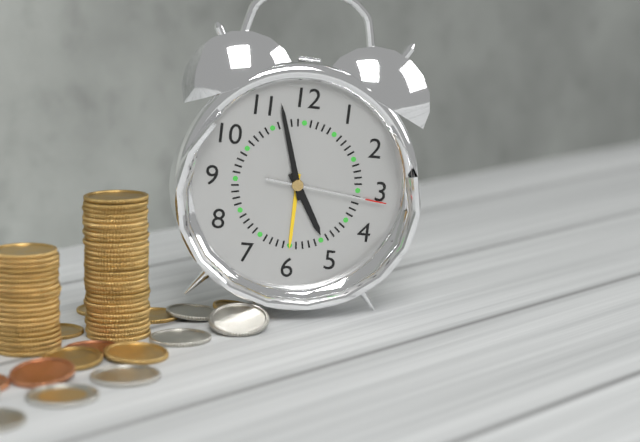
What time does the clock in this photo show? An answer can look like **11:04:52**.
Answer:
**4:57:16**
